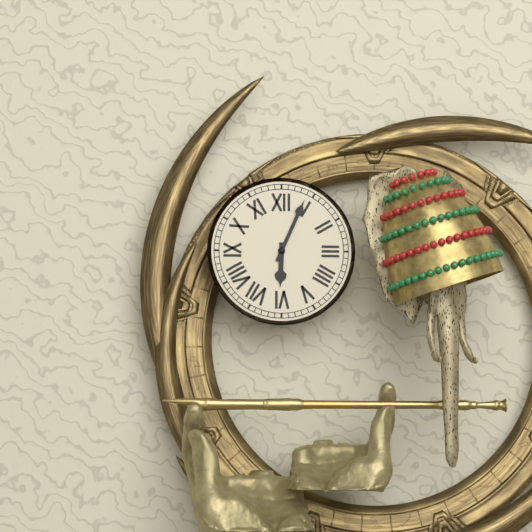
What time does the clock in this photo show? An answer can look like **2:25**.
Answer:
**6:04**
